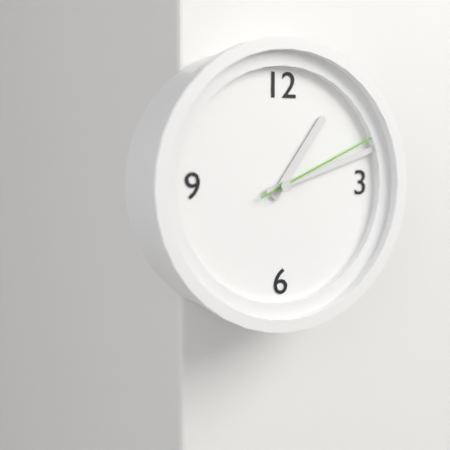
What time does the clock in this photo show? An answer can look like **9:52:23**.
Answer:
**1:12:11**
